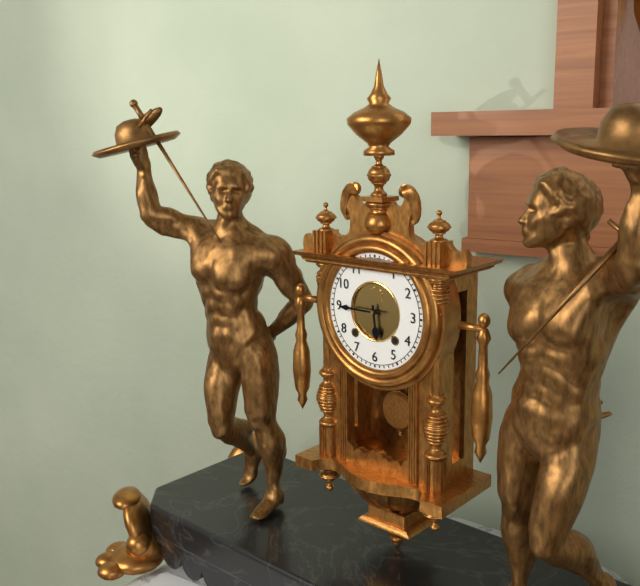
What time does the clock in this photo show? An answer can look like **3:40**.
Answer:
**5:45**
